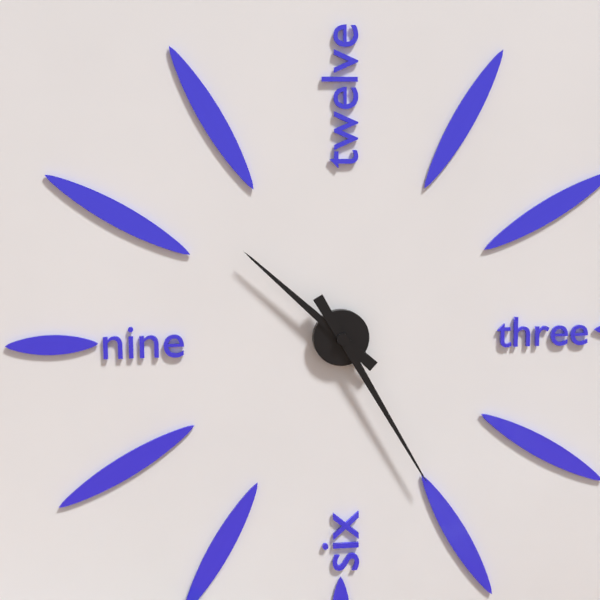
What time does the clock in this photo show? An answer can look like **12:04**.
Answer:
**10:25**
